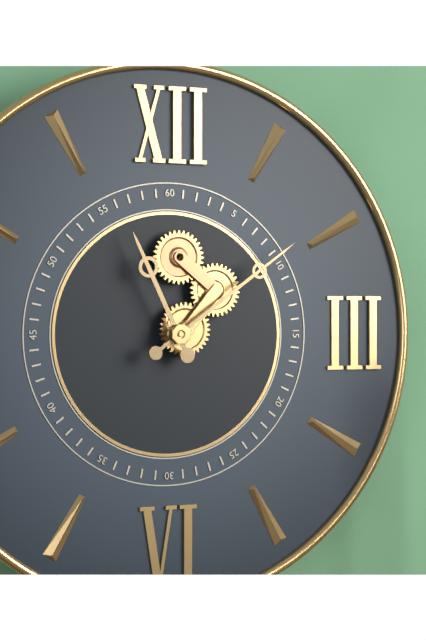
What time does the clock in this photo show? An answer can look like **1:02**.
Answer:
**11:09**
